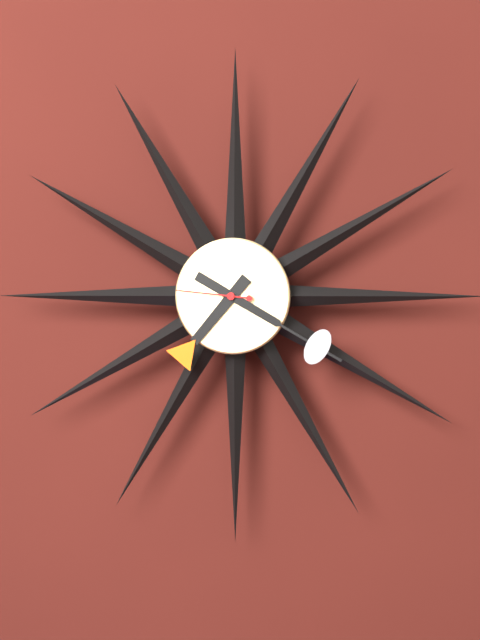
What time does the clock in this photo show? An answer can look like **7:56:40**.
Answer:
**7:20:46**
